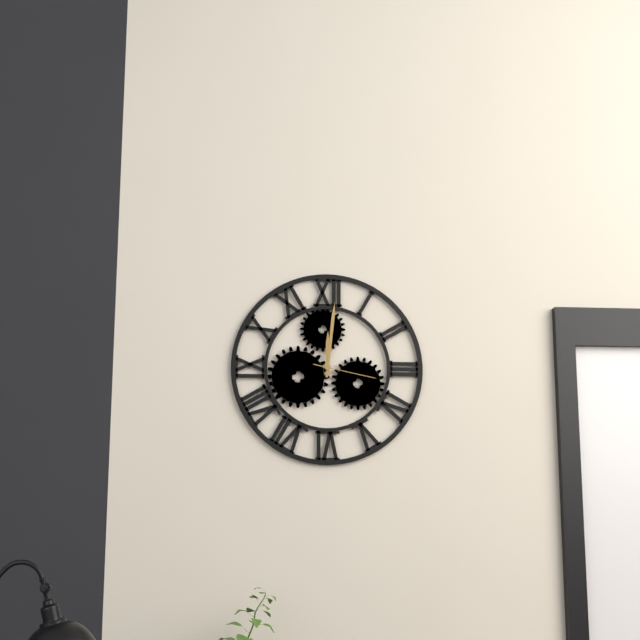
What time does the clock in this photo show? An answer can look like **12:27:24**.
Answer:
**12:01:17**
